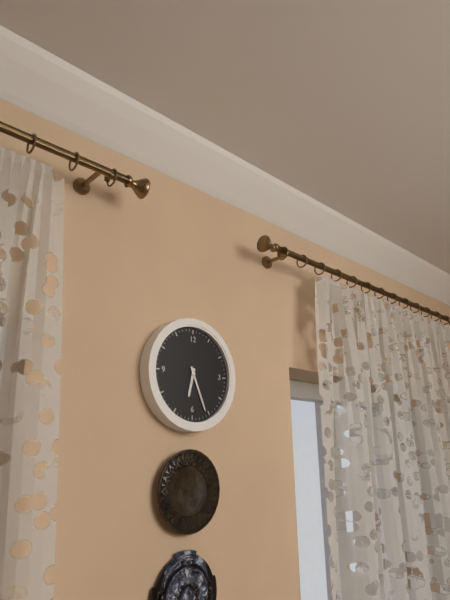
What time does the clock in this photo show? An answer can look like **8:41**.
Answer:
**6:26**
